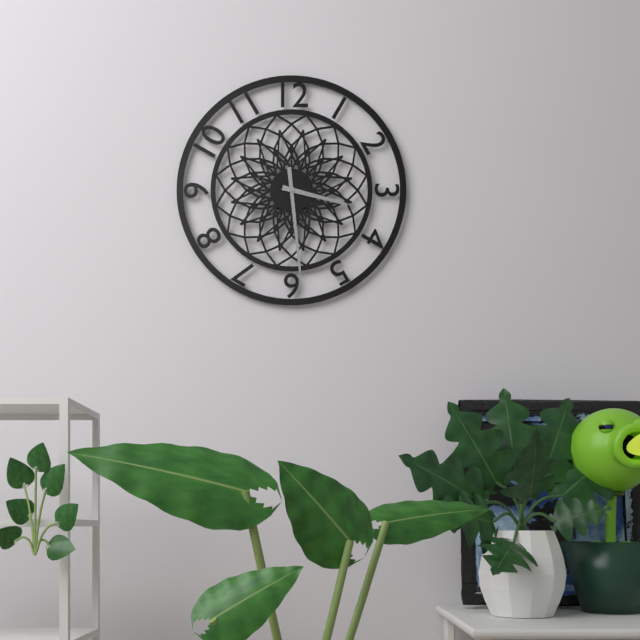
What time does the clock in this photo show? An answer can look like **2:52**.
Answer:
**3:29**
